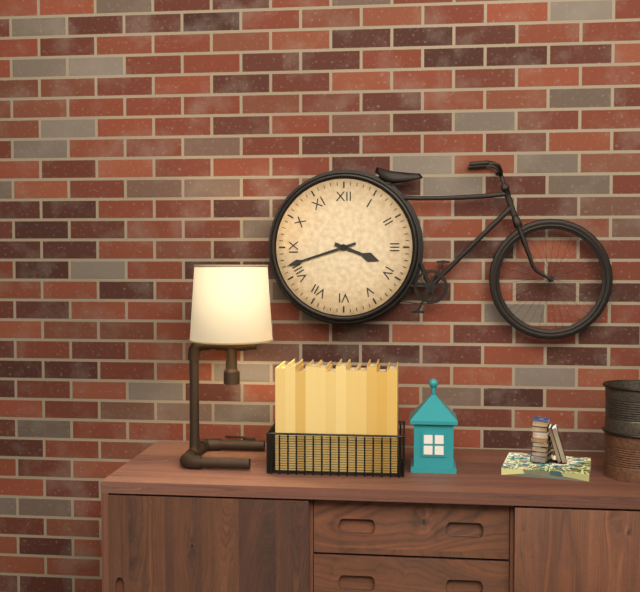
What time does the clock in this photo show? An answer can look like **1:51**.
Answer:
**3:42**
